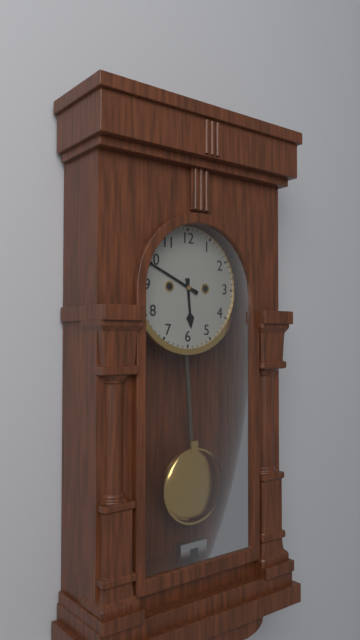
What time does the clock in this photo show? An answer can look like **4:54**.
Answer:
**5:49**
